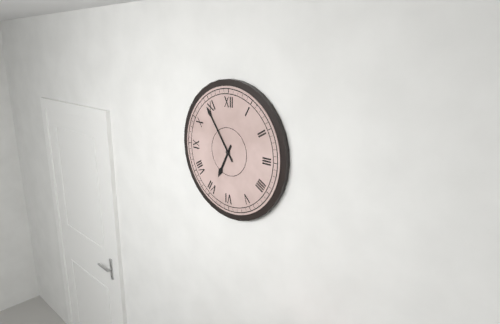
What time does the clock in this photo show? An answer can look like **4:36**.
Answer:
**6:54**
